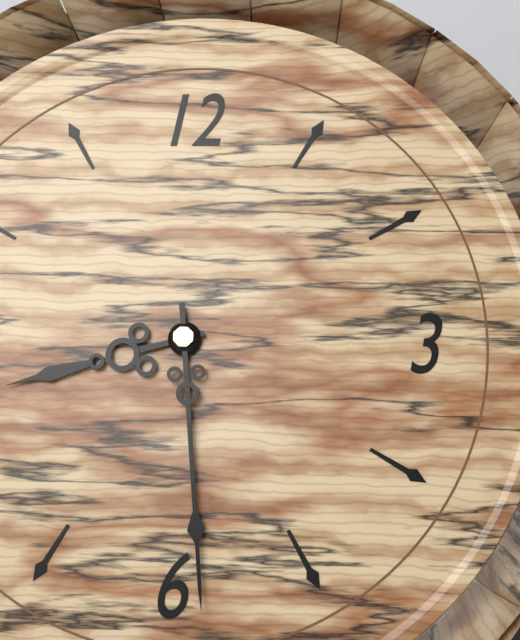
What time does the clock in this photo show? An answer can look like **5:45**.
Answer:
**8:29**
